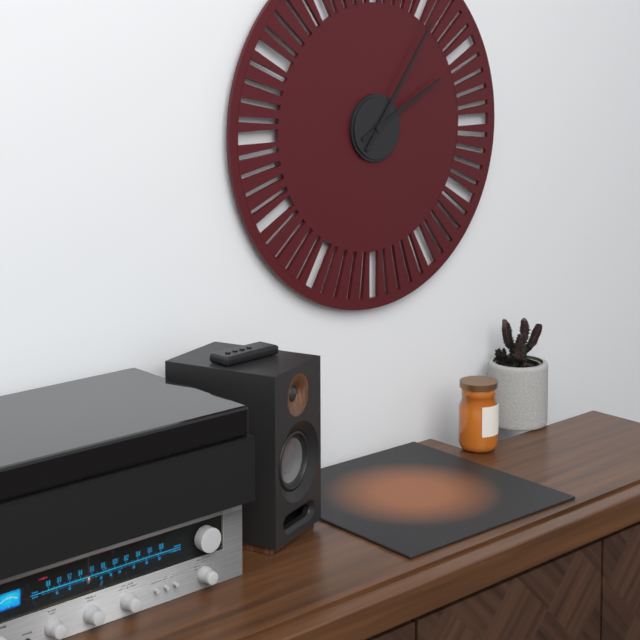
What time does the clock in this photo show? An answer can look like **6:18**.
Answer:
**2:06**
